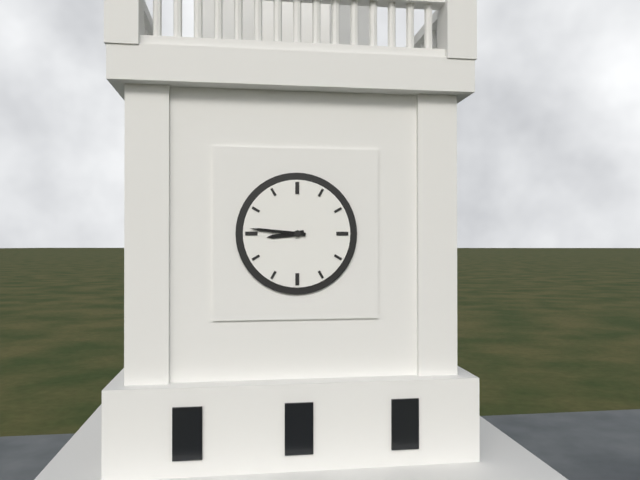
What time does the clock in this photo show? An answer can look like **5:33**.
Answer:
**8:46**
